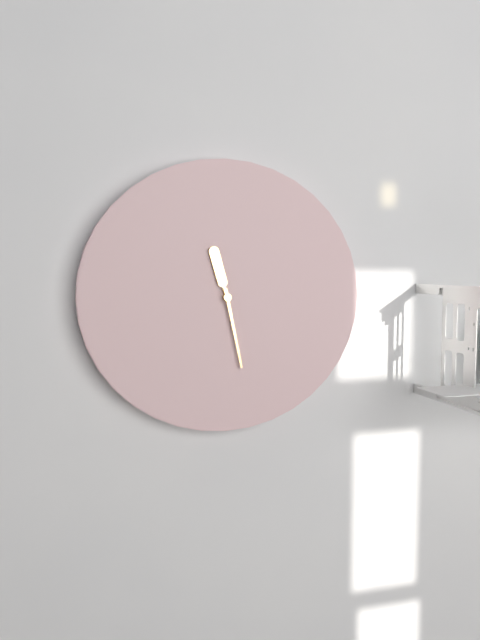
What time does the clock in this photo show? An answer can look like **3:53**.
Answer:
**11:28**
